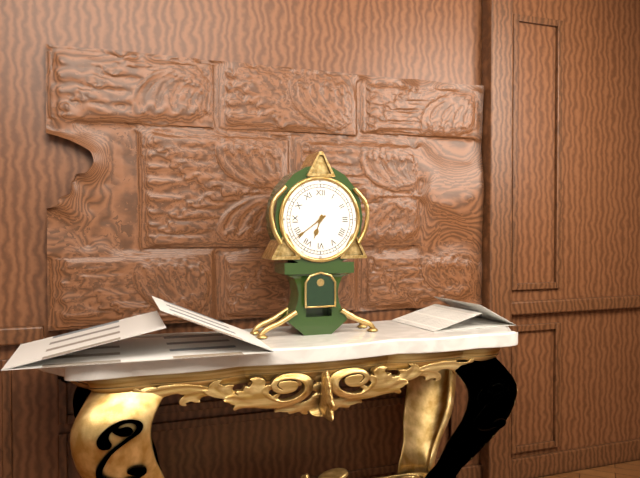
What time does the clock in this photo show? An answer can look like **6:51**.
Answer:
**6:39**
